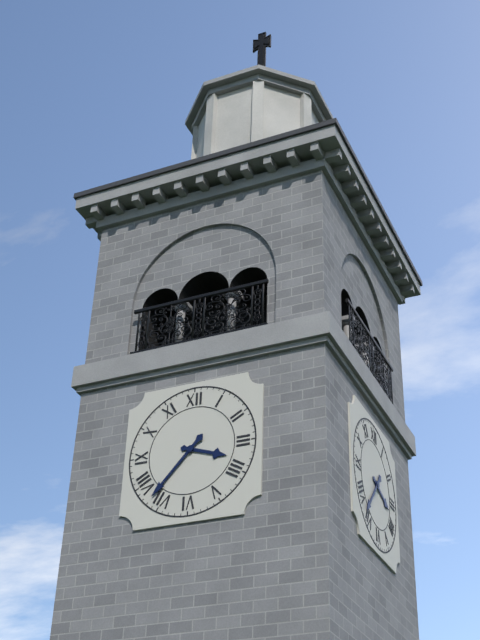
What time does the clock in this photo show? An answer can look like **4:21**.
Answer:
**3:37**
